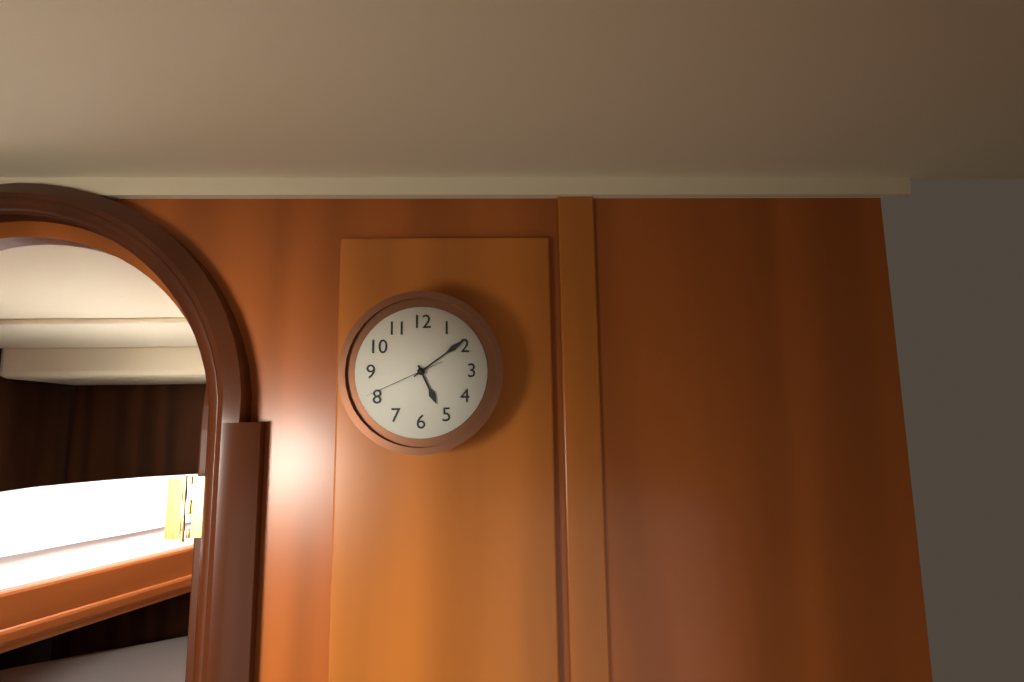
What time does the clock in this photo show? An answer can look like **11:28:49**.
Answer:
**5:09:41**
